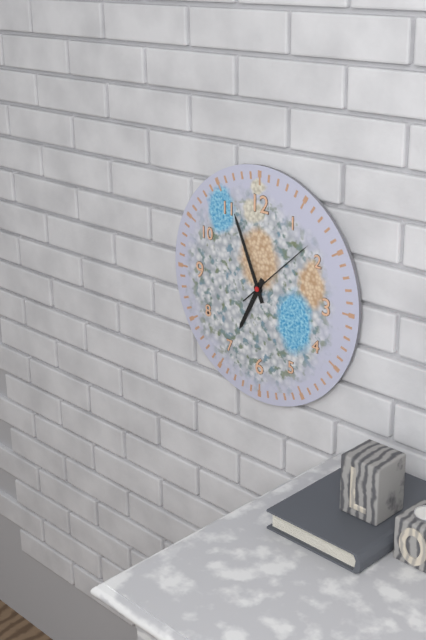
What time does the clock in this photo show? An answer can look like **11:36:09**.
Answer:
**6:56:08**
